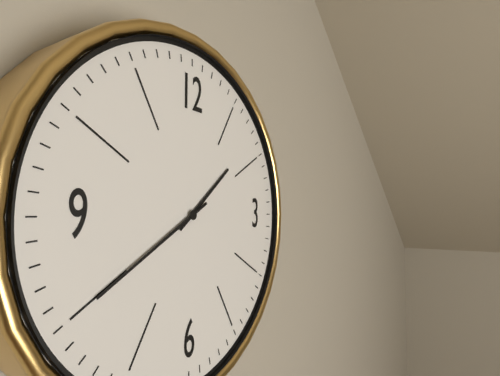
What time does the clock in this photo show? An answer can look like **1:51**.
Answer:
**1:40**
